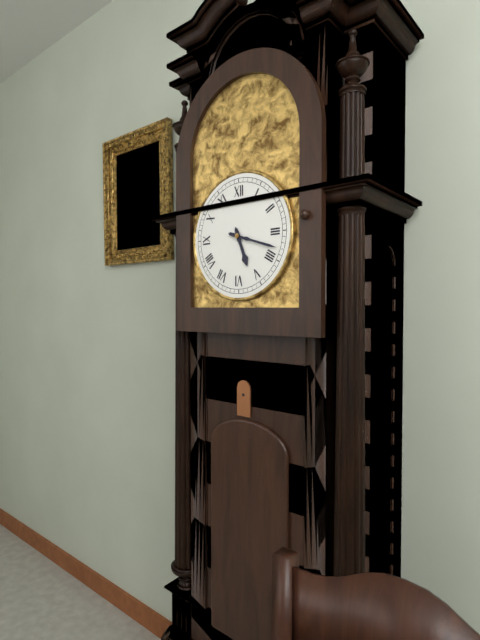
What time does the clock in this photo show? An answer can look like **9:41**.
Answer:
**5:18**
